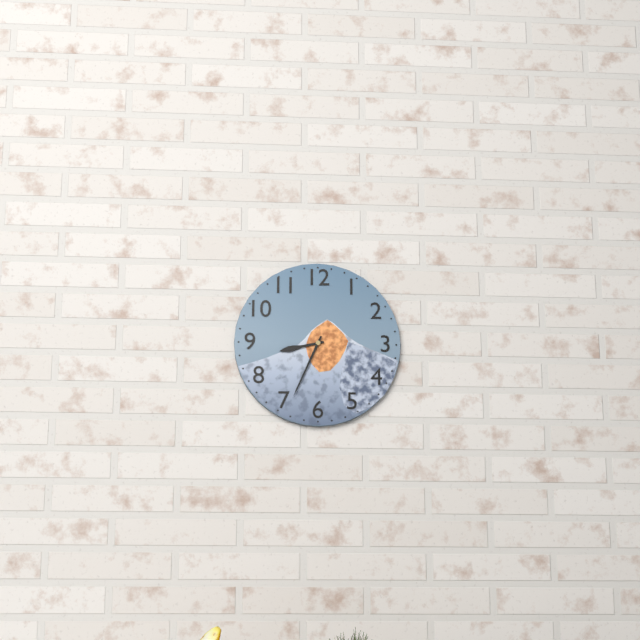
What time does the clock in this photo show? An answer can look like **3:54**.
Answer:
**8:34**
